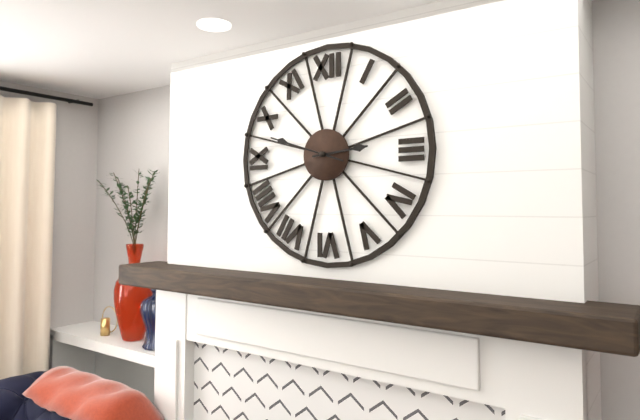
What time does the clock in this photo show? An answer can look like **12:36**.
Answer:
**2:48**
